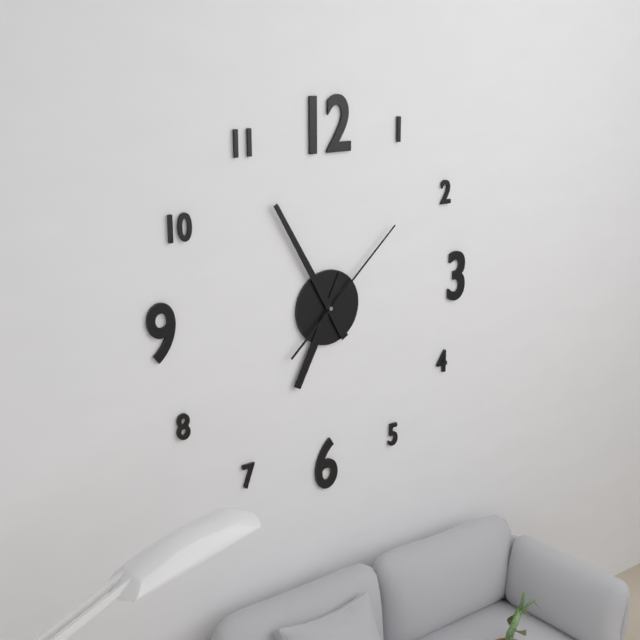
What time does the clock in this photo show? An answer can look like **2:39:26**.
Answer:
**6:55:08**
